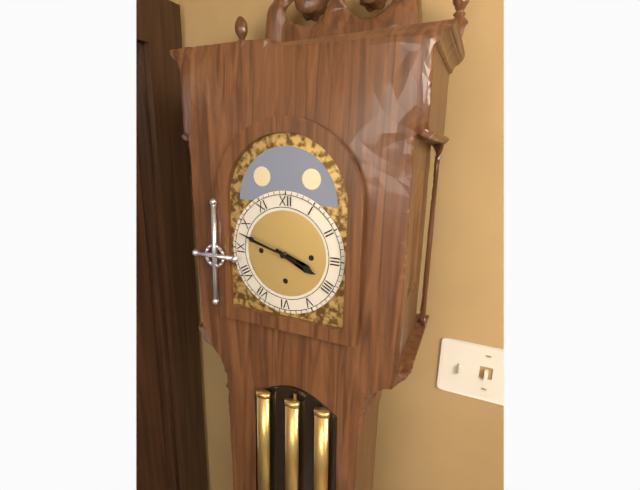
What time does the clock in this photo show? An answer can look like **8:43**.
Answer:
**3:48**
